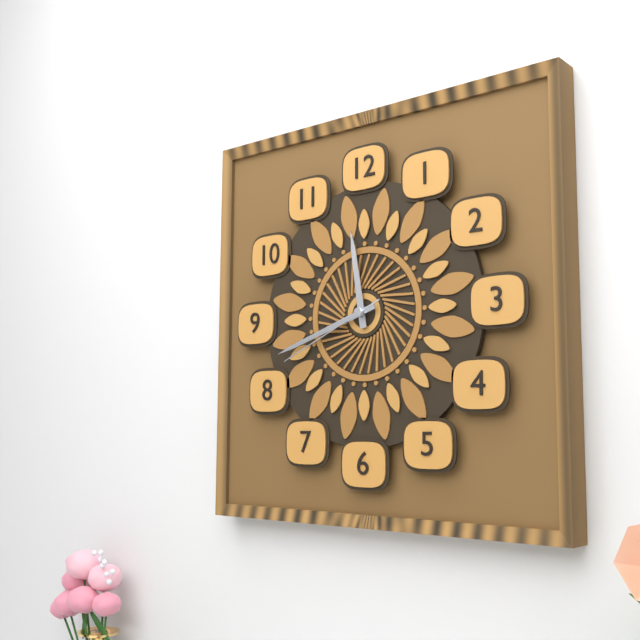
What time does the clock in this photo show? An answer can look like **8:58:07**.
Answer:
**11:42:41**
